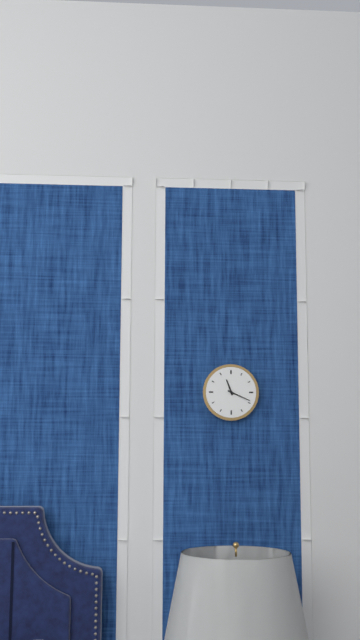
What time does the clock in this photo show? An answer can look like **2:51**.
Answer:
**11:19**
